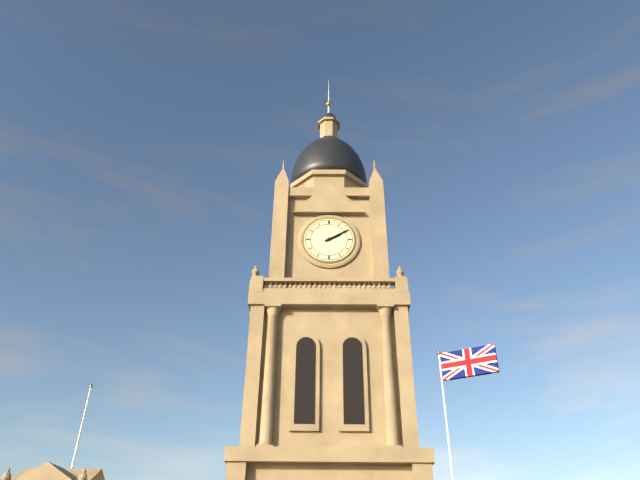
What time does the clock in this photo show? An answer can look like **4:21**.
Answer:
**2:10**
